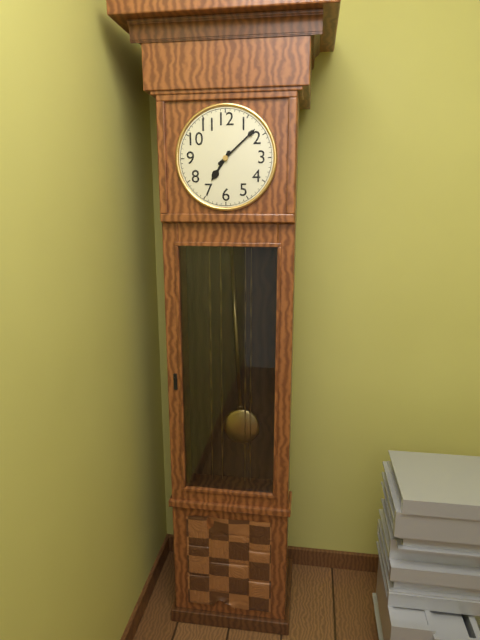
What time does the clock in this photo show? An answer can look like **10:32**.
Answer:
**7:08**
